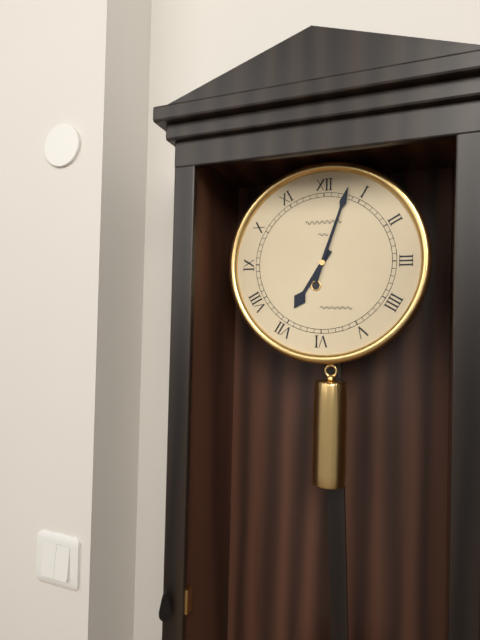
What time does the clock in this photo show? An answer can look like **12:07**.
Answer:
**7:03**
